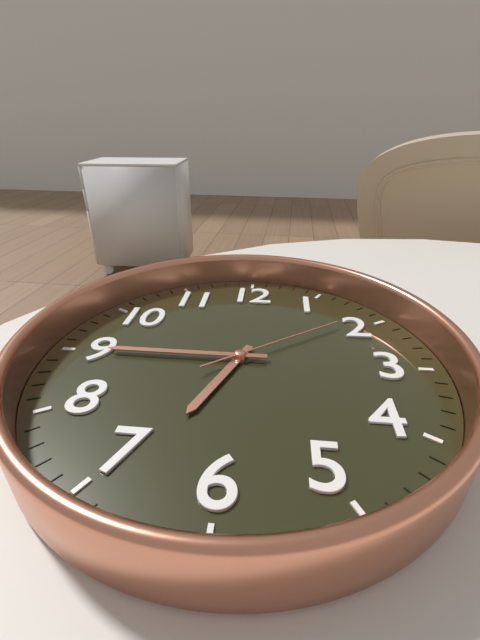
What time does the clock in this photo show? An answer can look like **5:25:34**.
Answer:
**6:45:09**
